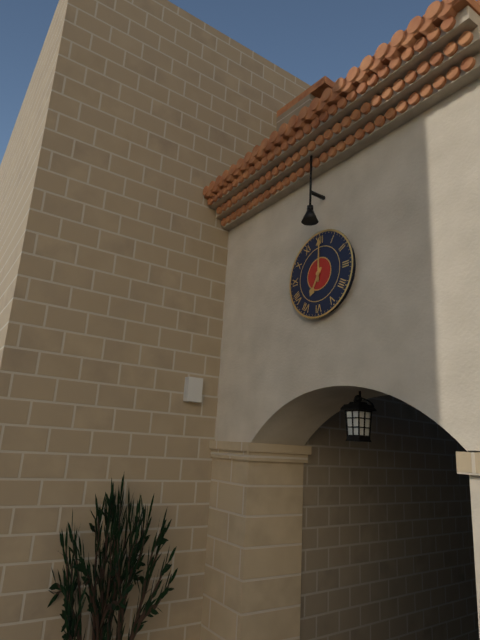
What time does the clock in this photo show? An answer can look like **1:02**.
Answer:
**7:00**
